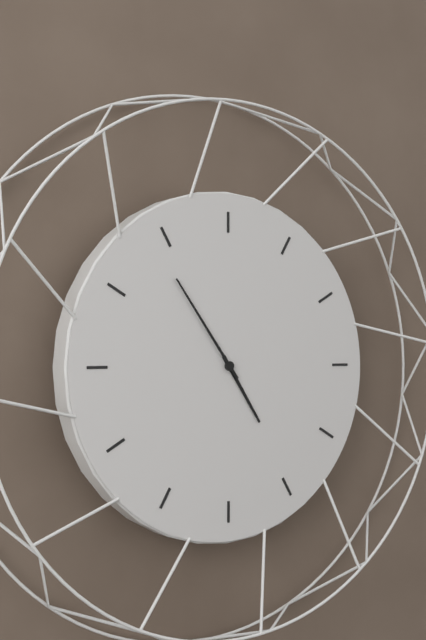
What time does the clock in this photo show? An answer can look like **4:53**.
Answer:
**4:54**
